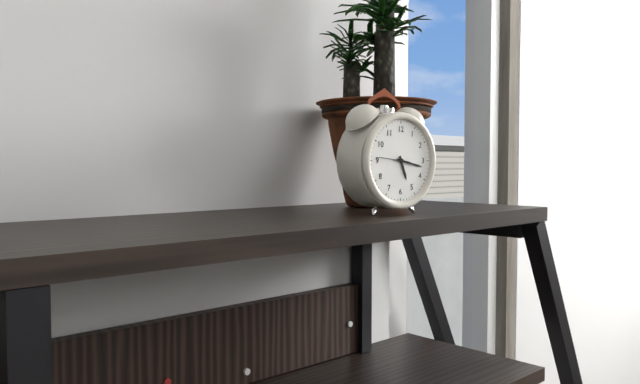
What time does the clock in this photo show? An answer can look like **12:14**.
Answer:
**5:17**
